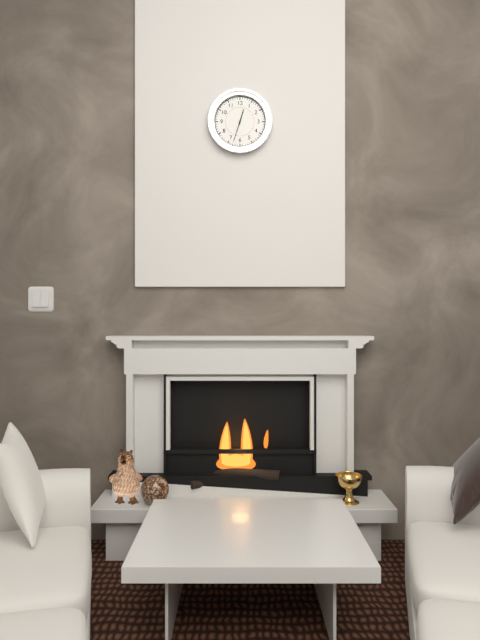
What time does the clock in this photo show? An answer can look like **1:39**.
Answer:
**12:33**
